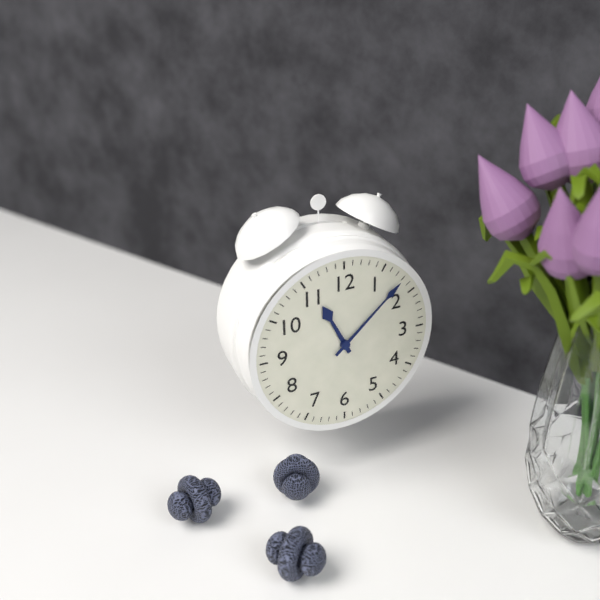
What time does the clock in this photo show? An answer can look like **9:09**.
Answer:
**11:08**
